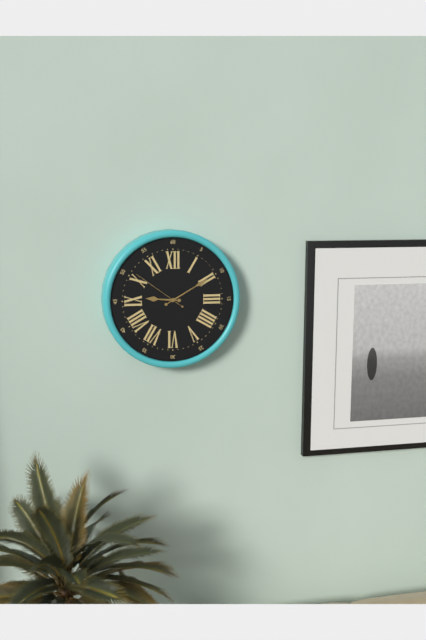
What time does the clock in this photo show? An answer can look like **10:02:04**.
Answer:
**9:10:51**
